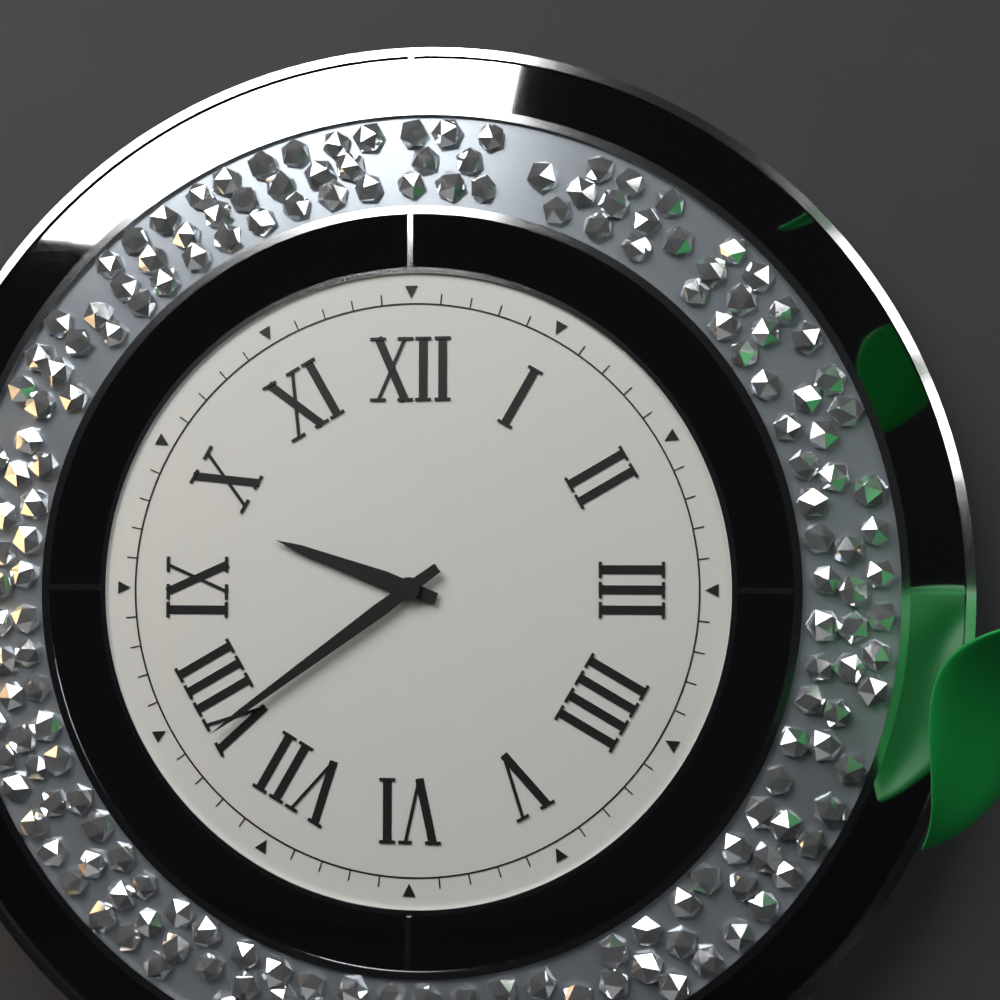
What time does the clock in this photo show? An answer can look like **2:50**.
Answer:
**9:39**
